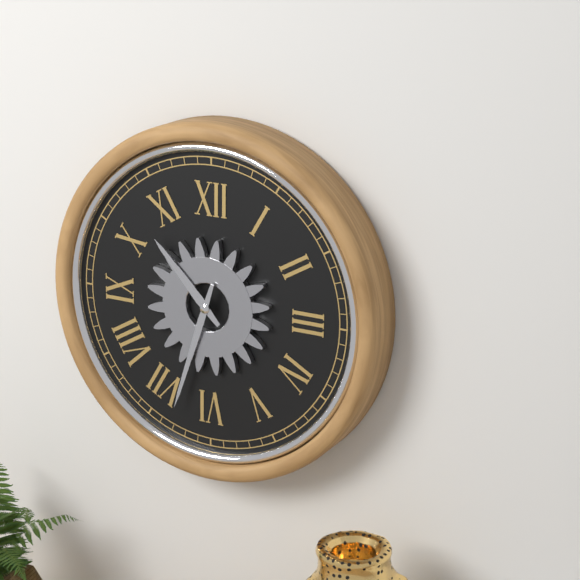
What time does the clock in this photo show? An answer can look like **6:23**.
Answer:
**10:33**
